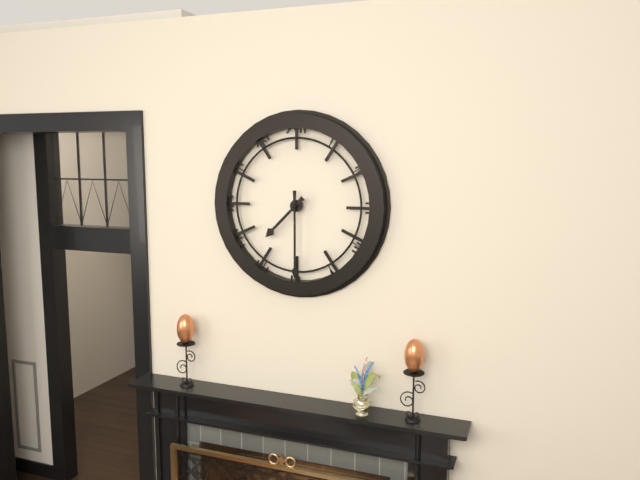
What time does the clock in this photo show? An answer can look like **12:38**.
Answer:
**7:30**
